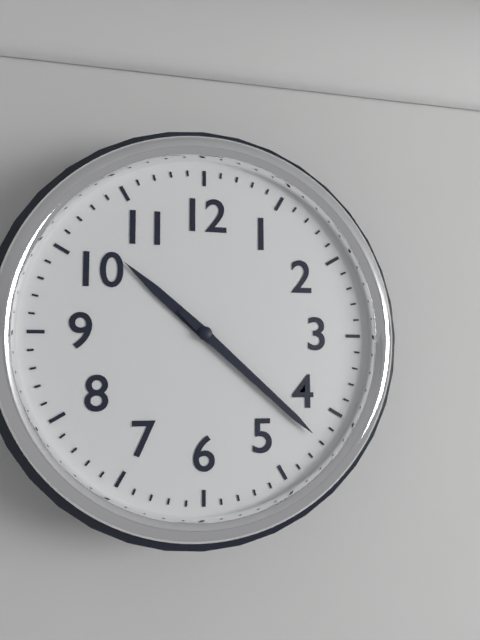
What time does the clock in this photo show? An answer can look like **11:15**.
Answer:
**10:22**
